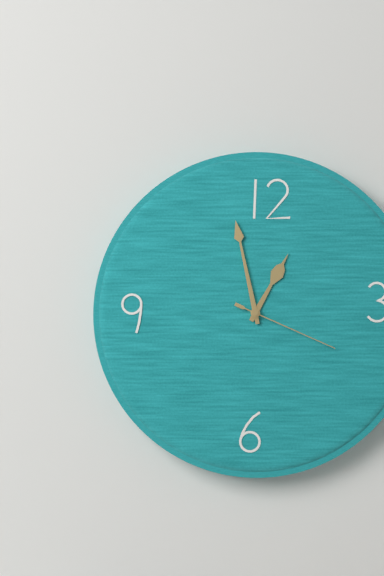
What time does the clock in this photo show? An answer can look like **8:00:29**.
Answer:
**12:58:19**
